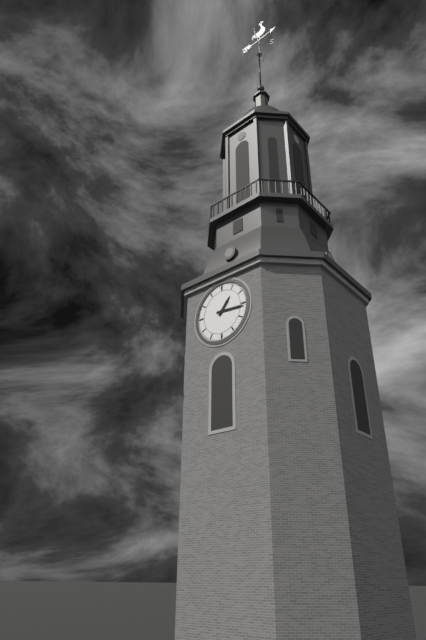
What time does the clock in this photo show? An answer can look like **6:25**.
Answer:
**1:16**
